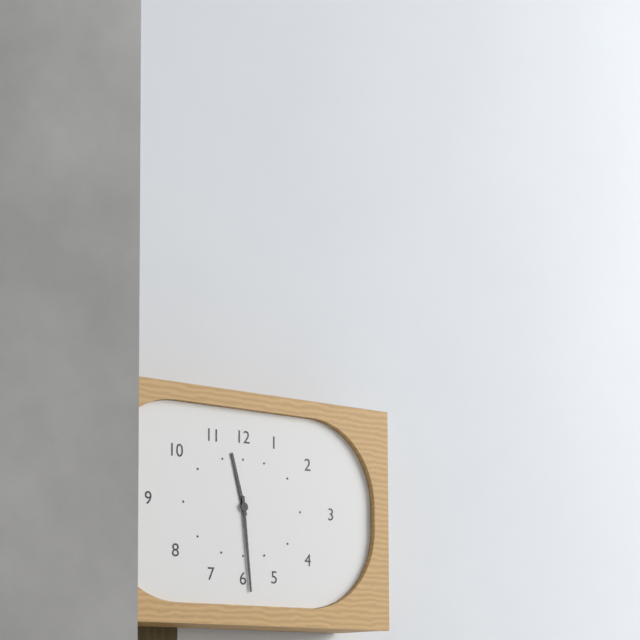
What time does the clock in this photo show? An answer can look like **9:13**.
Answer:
**11:29**
